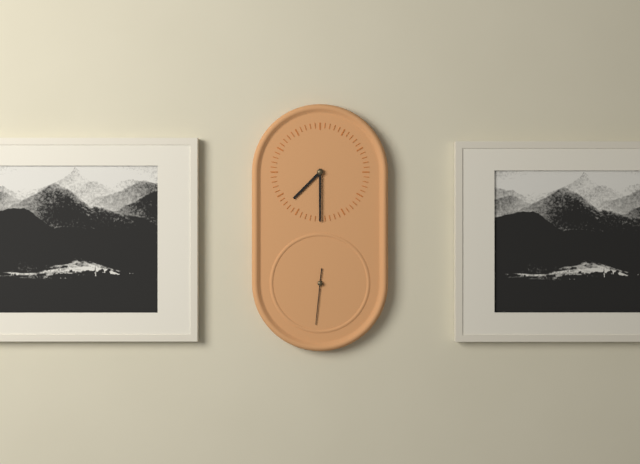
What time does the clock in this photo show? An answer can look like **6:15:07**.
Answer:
**7:30:31**
